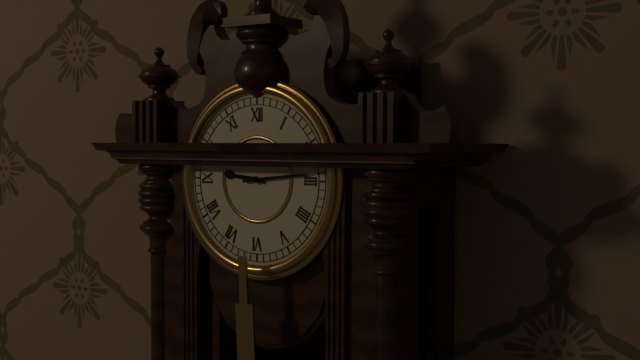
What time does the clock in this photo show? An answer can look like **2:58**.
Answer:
**9:14**
